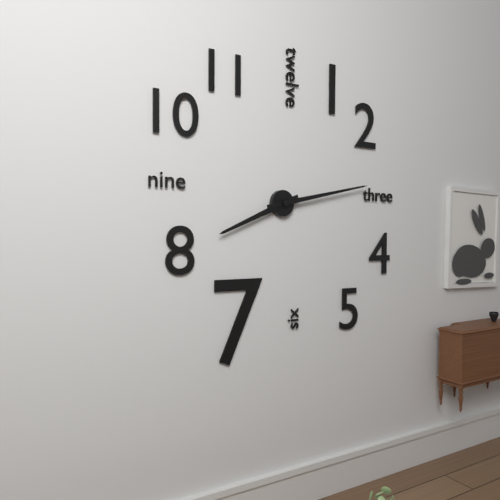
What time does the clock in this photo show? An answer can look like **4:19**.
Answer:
**8:13**
